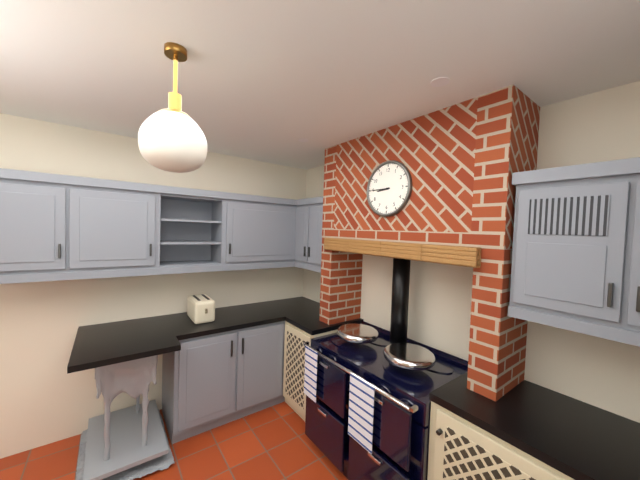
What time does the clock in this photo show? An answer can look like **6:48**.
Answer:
**8:45**
